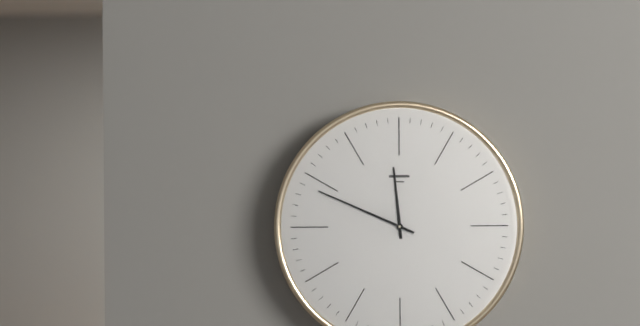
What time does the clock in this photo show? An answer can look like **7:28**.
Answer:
**11:49**
